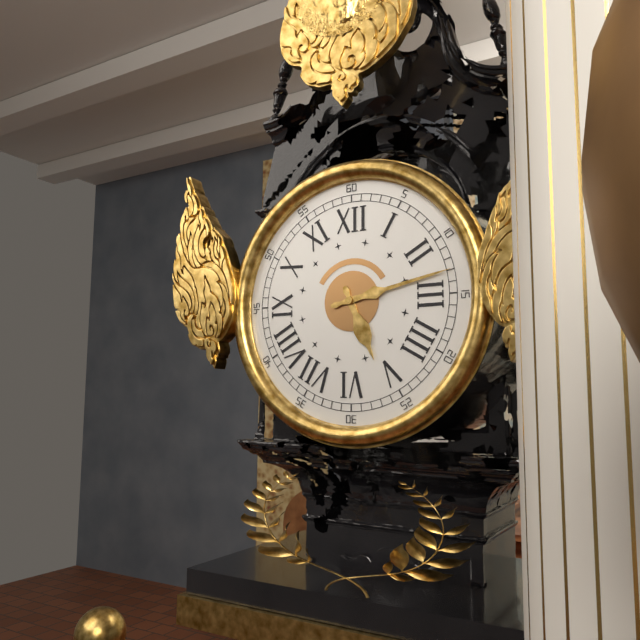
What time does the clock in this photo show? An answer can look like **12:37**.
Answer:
**5:13**
